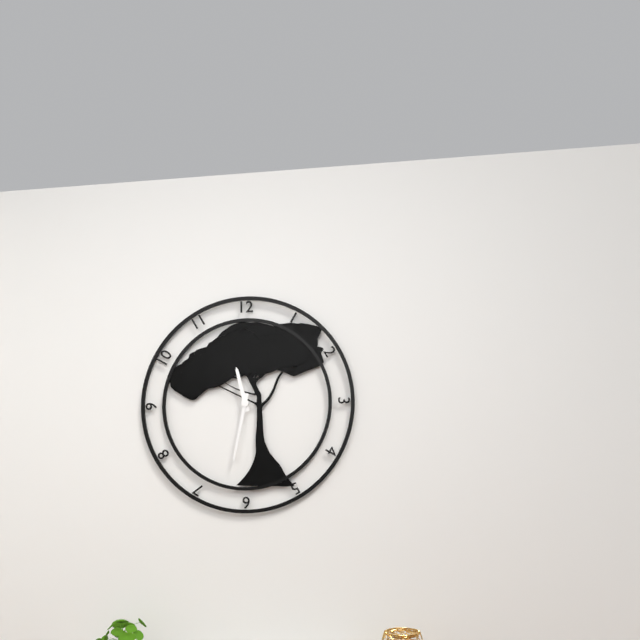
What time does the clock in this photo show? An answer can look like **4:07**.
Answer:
**11:32**
